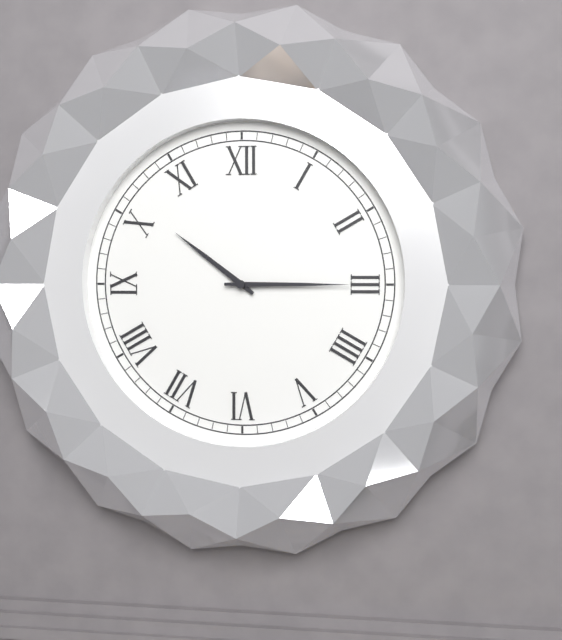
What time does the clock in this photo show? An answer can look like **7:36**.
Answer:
**10:15**
